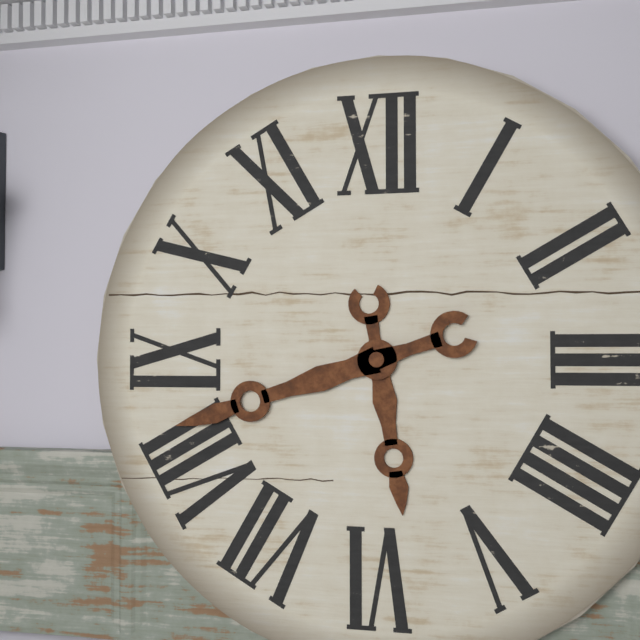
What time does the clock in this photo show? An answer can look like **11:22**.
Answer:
**5:42**
